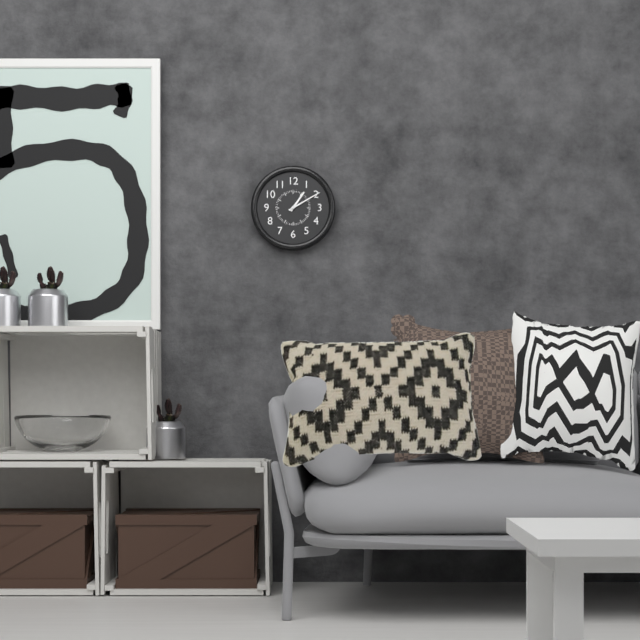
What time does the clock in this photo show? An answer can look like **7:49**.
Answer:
**1:10**
